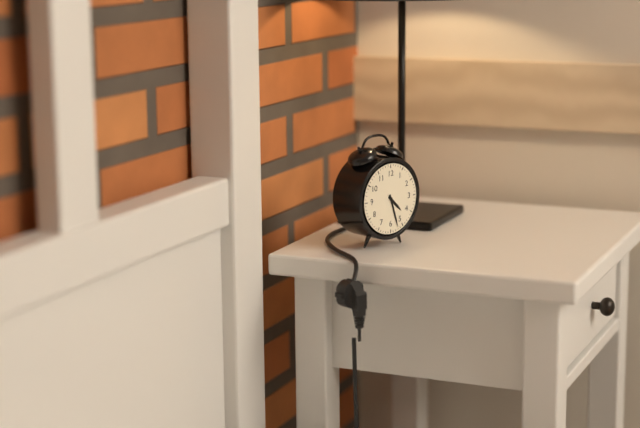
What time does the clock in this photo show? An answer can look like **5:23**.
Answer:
**4:27**
